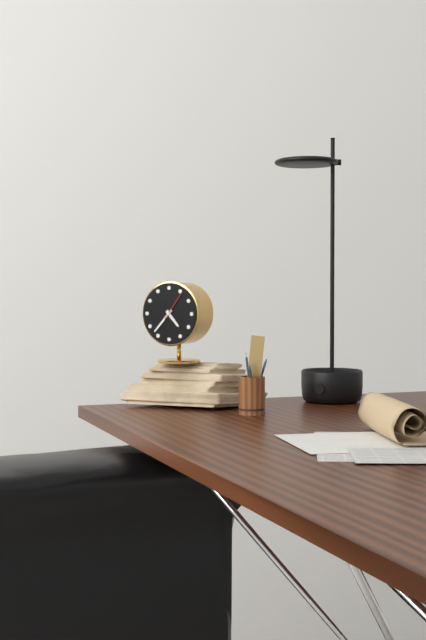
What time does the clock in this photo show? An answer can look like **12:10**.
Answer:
**4:37**
